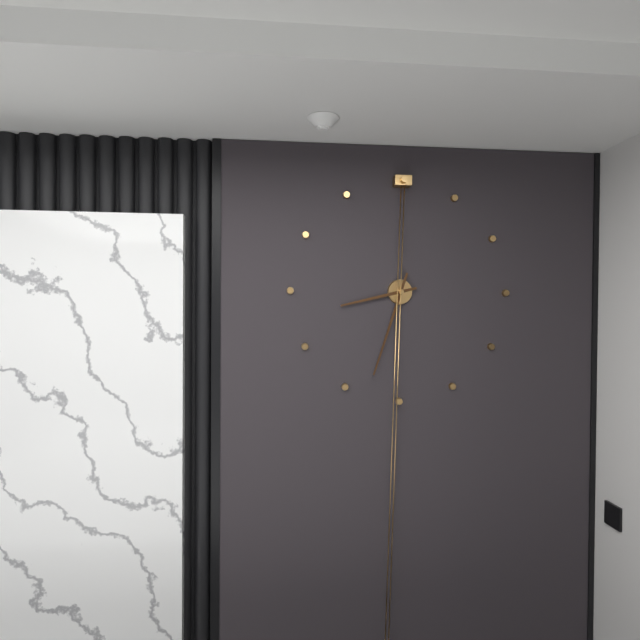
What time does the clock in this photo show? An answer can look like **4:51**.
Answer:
**8:33**
